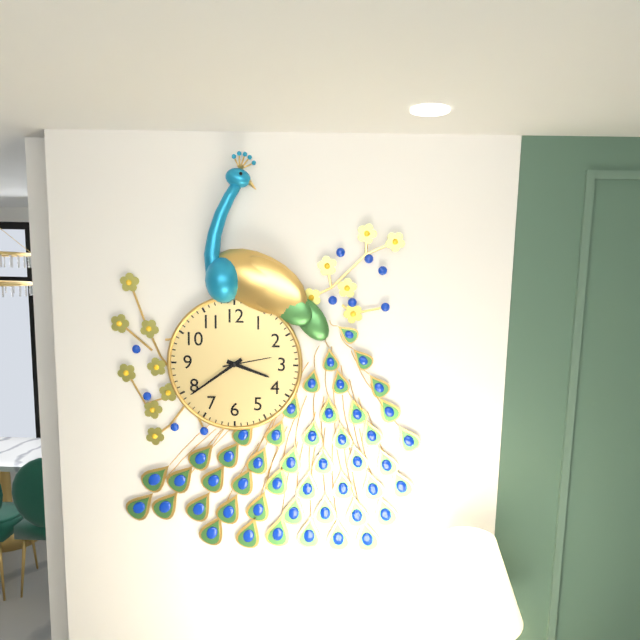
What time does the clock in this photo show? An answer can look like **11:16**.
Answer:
**3:39**
